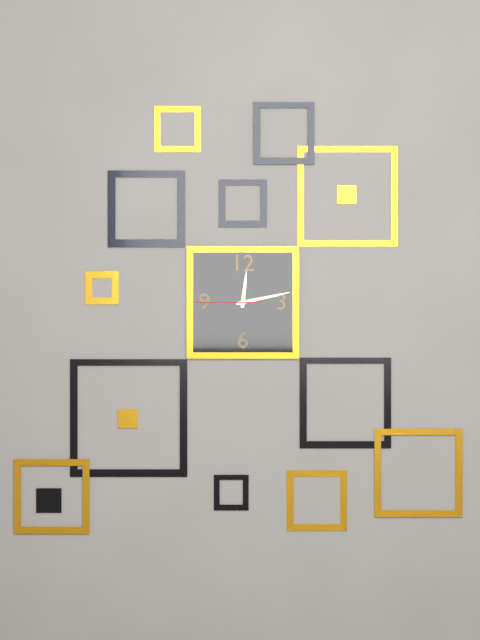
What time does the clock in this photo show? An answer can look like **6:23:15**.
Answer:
**12:13:45**
